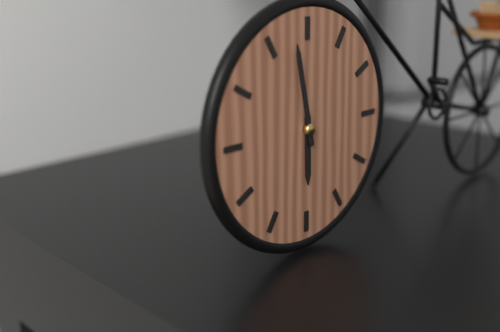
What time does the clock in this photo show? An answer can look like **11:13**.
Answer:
**5:58**
